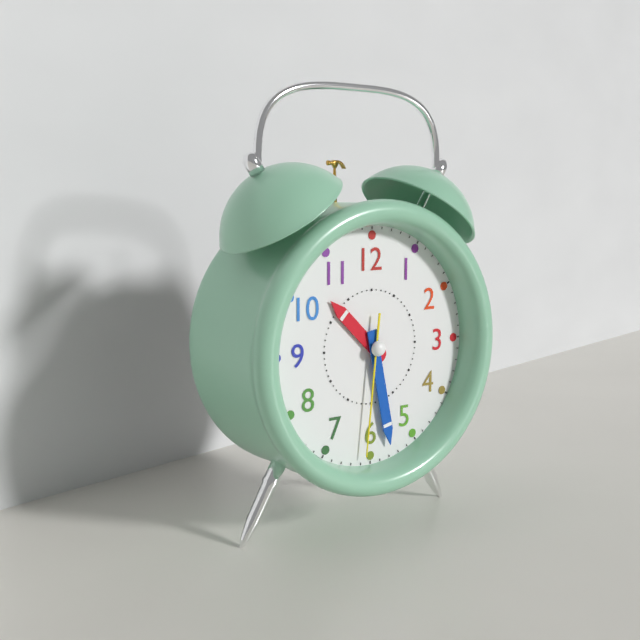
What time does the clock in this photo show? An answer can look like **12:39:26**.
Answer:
**10:28:31**
